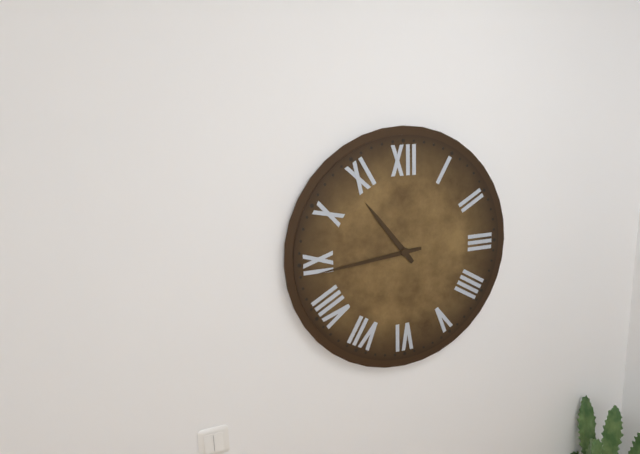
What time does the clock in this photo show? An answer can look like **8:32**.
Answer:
**10:44**
